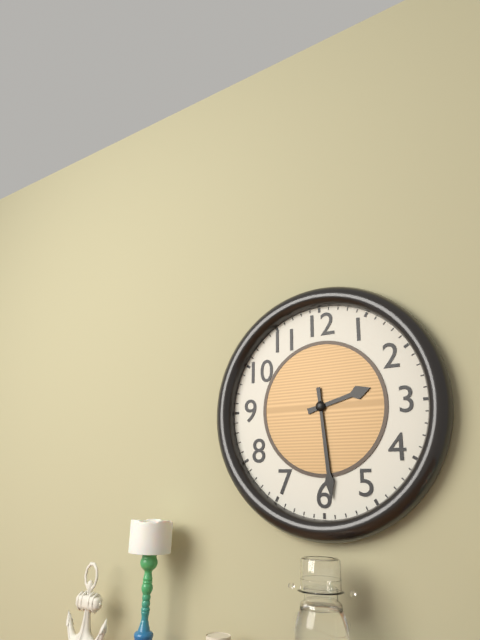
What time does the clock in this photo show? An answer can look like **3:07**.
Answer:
**2:29**
